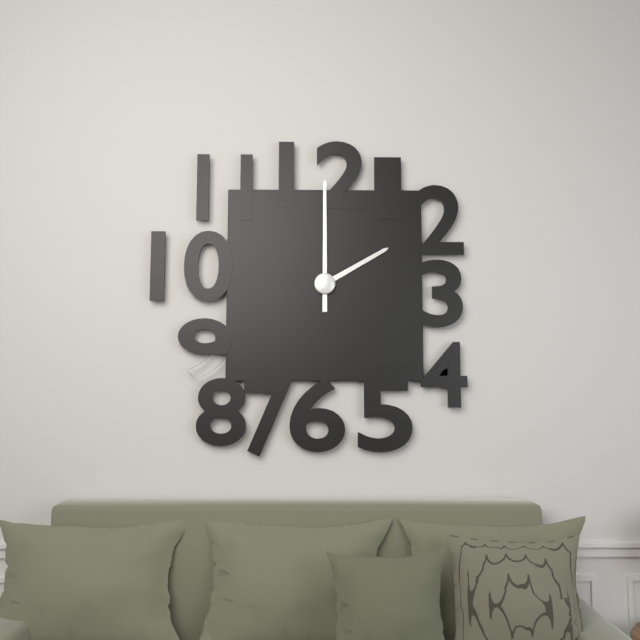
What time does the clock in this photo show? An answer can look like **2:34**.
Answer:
**2:00**
